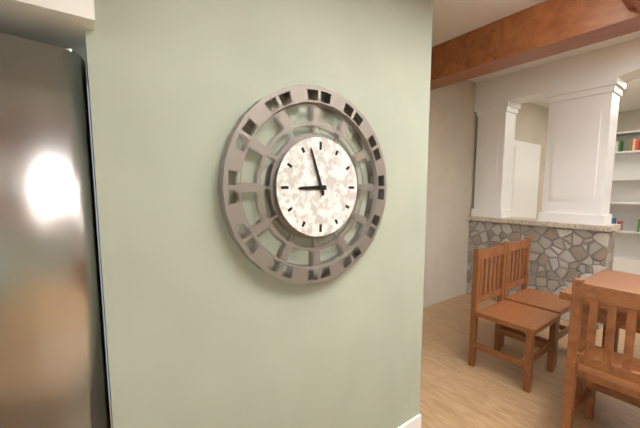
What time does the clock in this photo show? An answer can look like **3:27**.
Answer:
**8:57**
